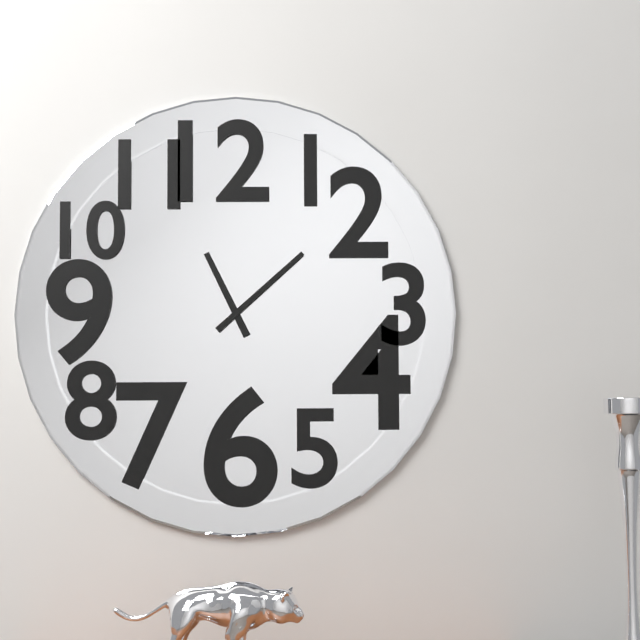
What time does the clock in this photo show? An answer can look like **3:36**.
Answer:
**11:08**
